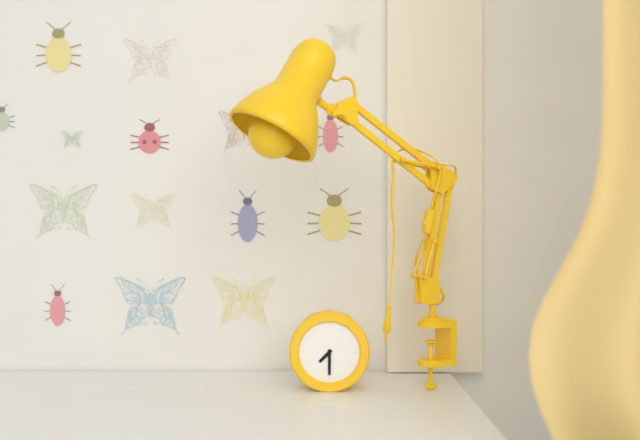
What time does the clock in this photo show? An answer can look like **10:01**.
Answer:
**7:30**
